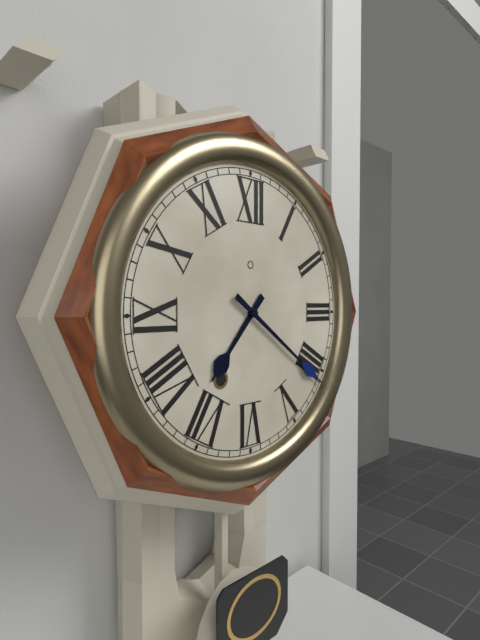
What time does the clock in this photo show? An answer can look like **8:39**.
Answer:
**7:21**
